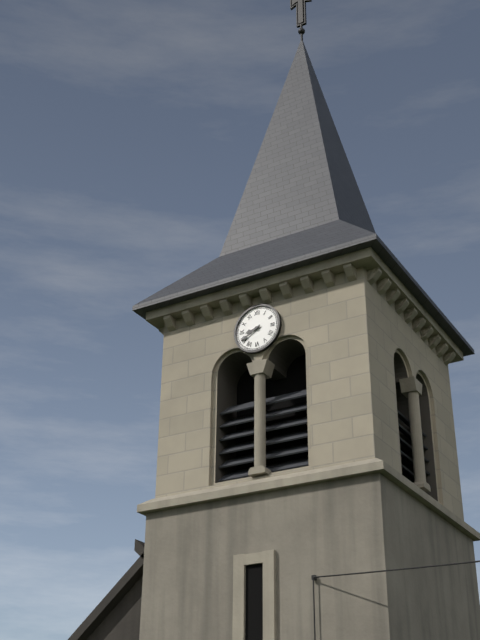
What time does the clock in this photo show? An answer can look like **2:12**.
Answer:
**8:40**
